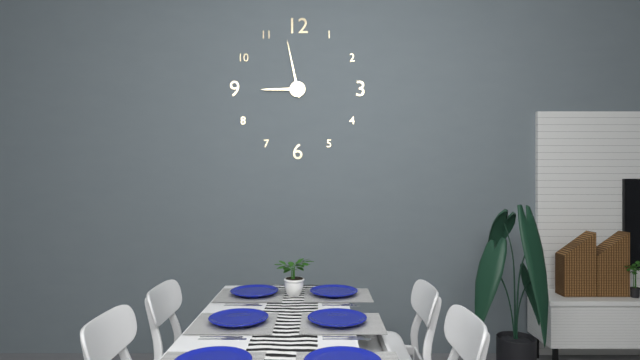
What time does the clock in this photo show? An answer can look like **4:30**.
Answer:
**8:58**
